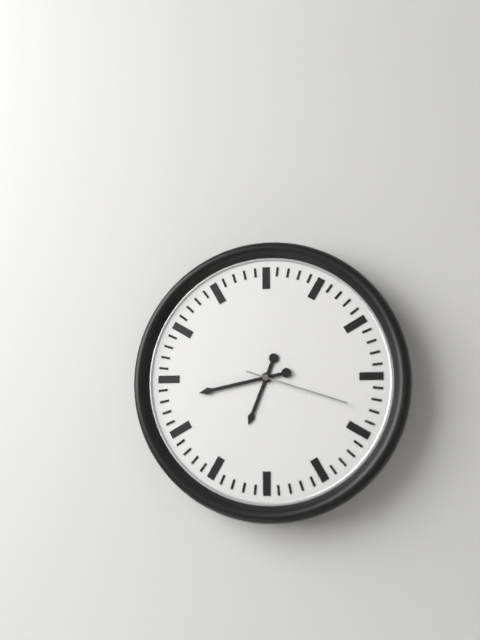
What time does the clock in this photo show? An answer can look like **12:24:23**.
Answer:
**6:43:18**
